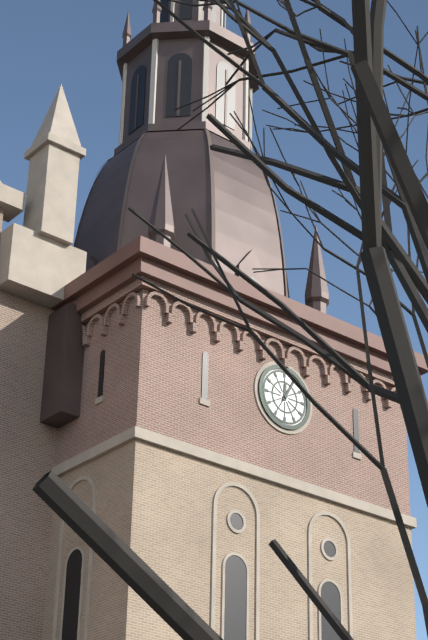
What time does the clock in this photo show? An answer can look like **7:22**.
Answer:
**12:05**
